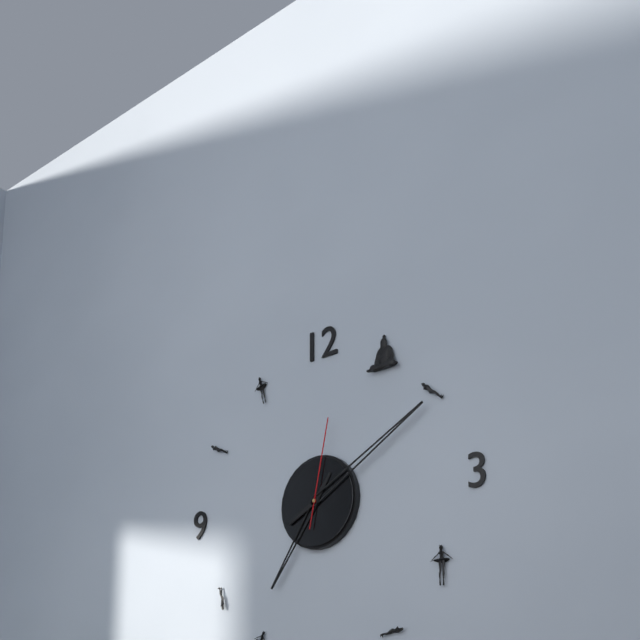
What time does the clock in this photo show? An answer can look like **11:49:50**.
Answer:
**7:10:02**
